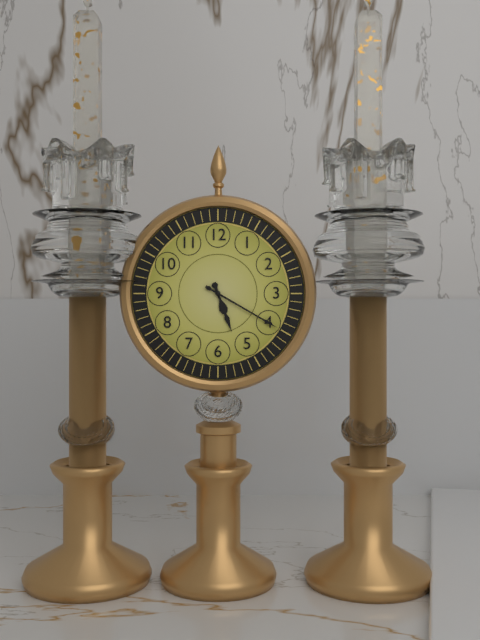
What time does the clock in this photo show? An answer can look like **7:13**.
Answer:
**5:20**
